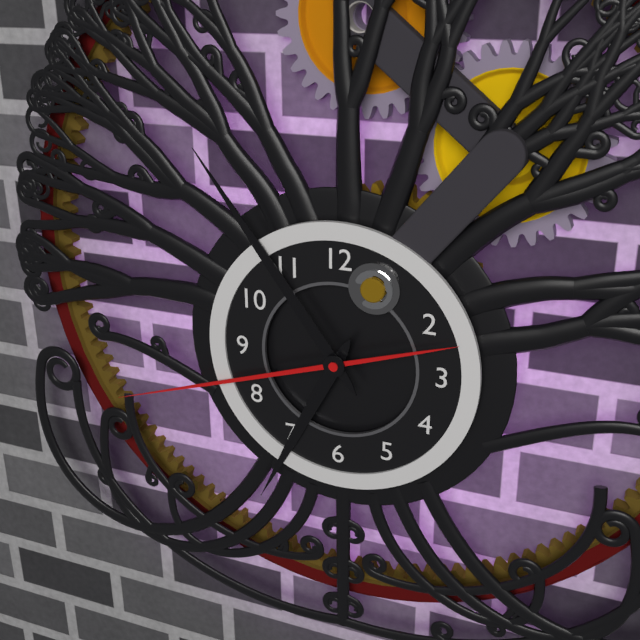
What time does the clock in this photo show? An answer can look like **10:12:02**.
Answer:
**6:54:42**
